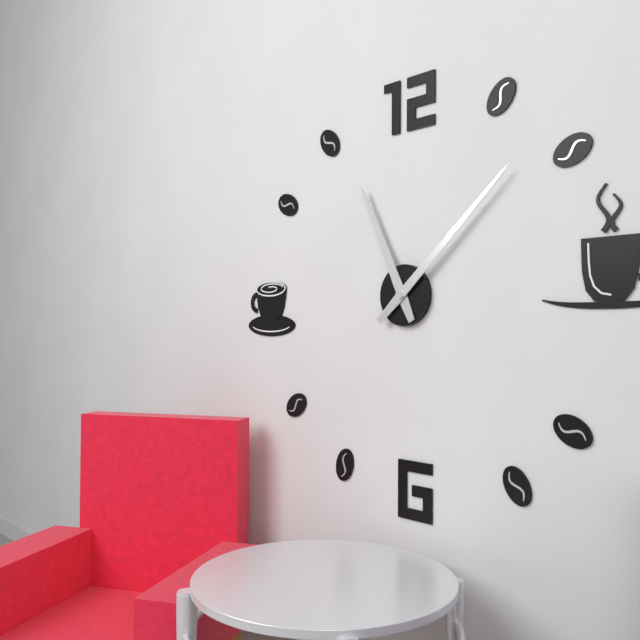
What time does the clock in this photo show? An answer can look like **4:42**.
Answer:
**11:08**
